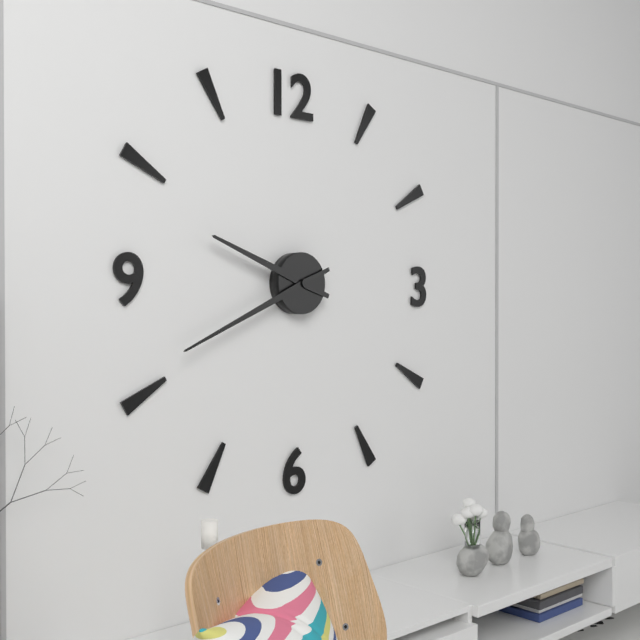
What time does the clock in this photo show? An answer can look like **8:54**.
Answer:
**9:41**
